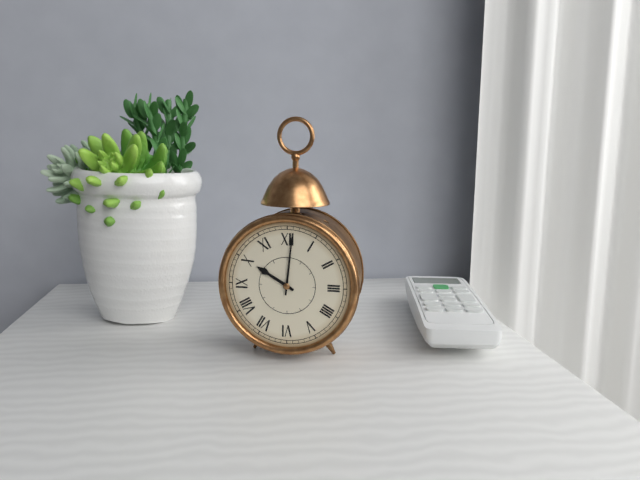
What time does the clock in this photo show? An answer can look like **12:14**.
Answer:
**10:01**
